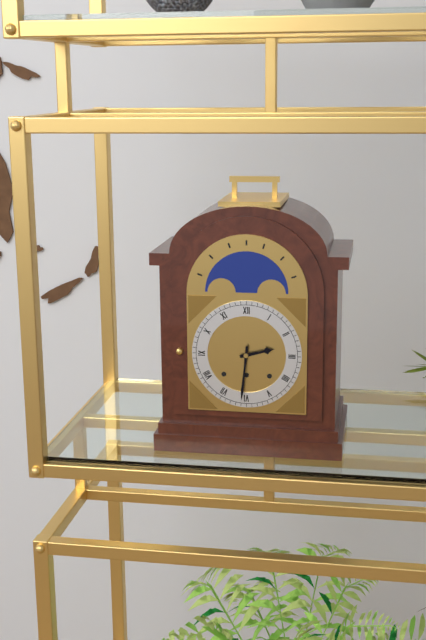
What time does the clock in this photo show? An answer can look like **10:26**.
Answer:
**2:31**
